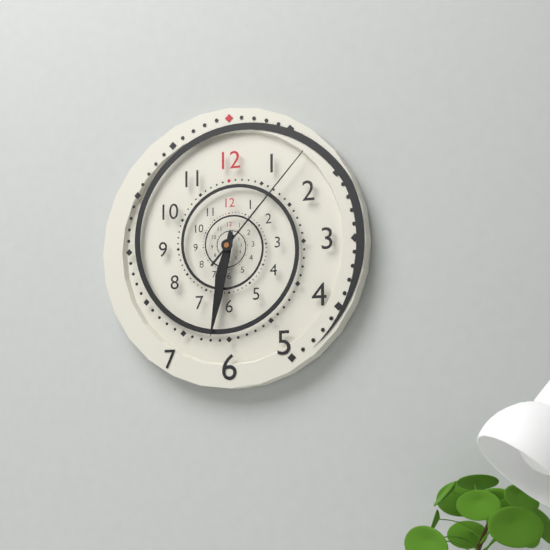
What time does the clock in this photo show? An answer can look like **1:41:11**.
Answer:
**6:32:07**
